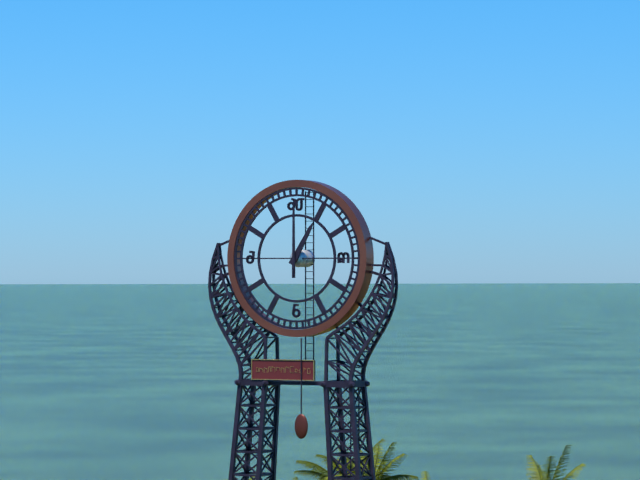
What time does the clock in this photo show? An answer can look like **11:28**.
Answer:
**1:00**
